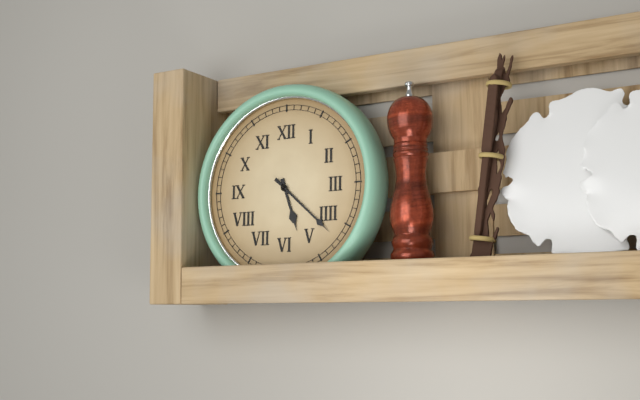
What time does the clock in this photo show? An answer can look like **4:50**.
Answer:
**5:22**
